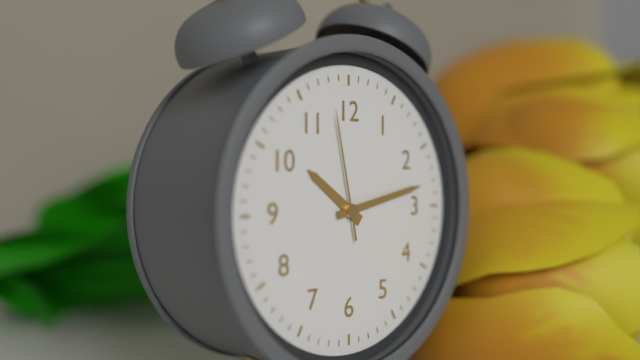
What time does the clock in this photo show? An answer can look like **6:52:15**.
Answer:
**10:13:58**
